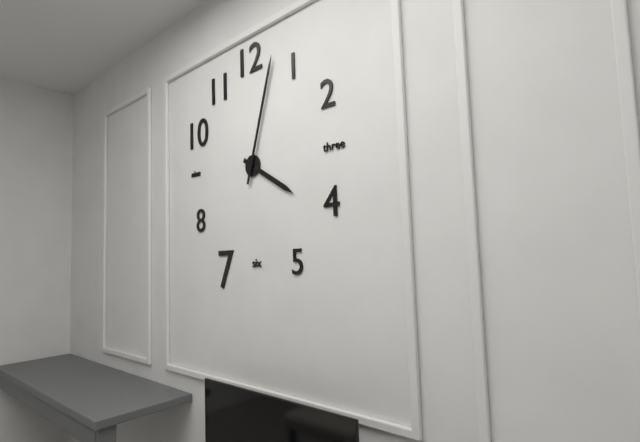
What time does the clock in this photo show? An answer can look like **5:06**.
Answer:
**4:03**
